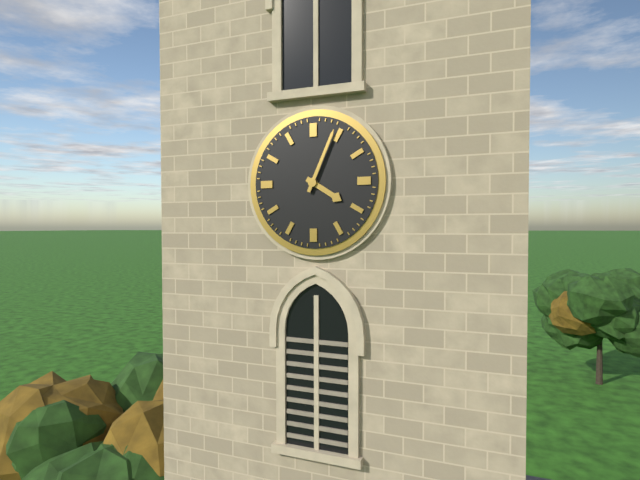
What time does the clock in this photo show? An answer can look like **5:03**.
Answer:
**4:04**
